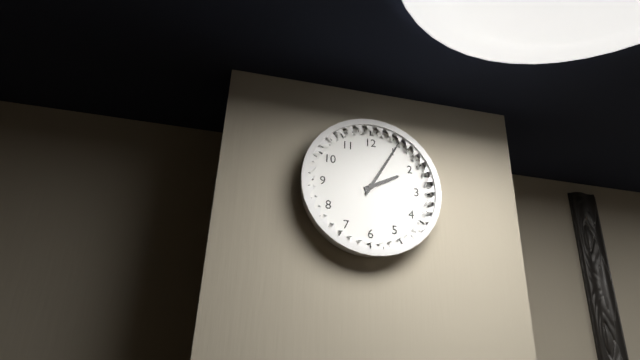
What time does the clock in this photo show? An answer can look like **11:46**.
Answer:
**2:05**
